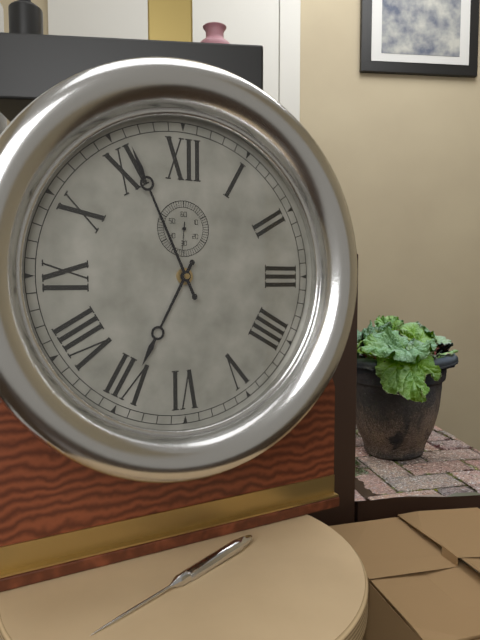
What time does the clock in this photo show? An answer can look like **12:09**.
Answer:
**6:56**
